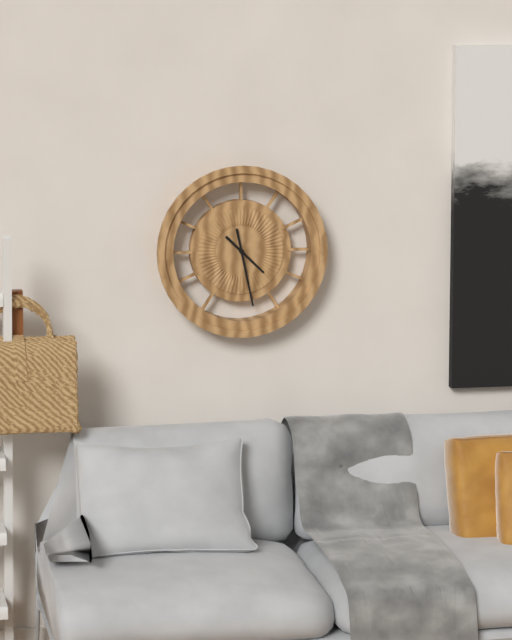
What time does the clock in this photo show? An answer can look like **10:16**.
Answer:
**4:28**
